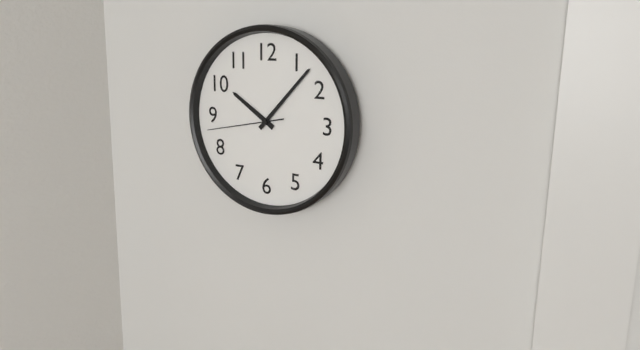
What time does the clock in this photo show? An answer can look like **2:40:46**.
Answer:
**10:07:43**
